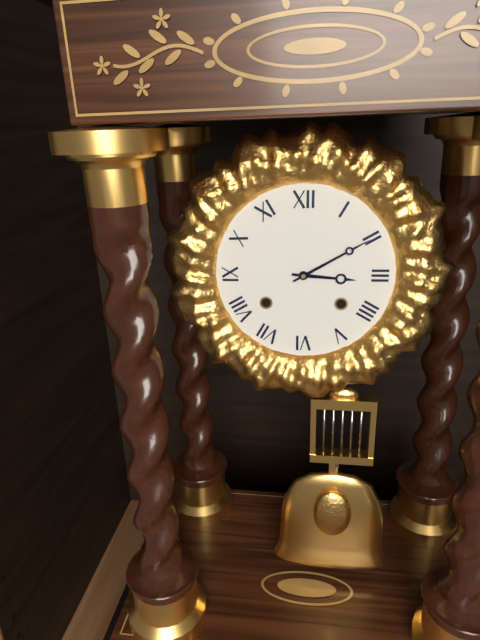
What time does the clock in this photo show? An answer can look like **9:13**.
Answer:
**3:10**
